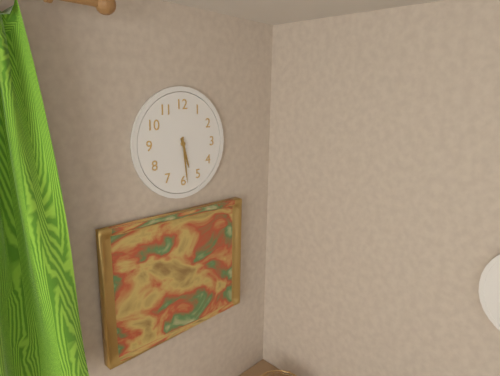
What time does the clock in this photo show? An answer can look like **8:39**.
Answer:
**5:29**
